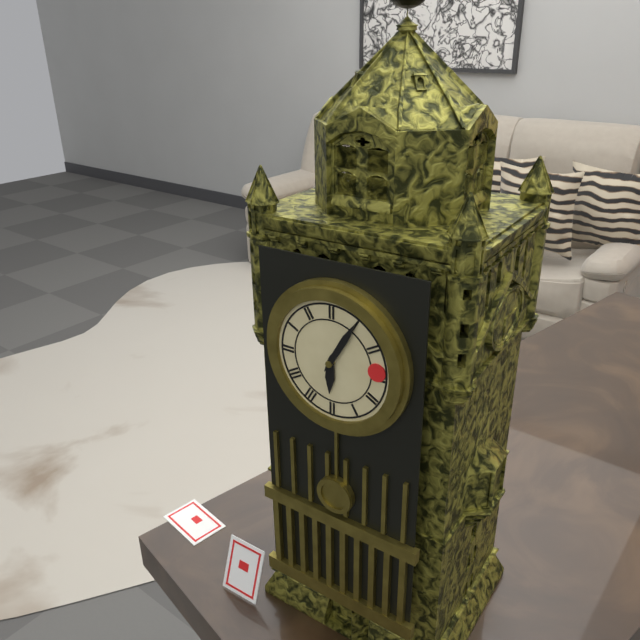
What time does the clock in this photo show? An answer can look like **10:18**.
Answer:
**6:05**
